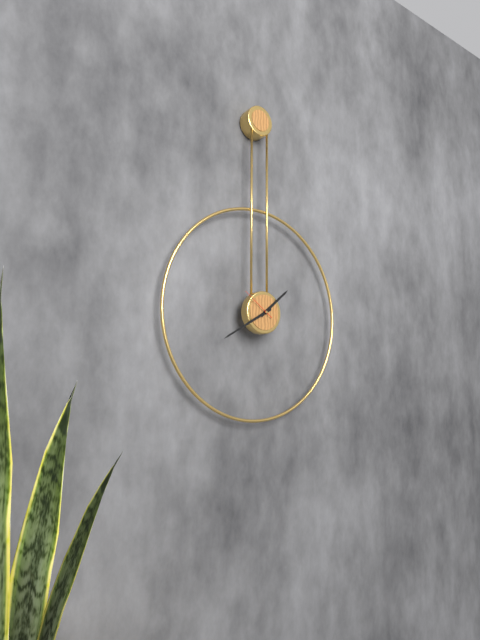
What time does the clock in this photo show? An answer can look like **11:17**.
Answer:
**1:40**
